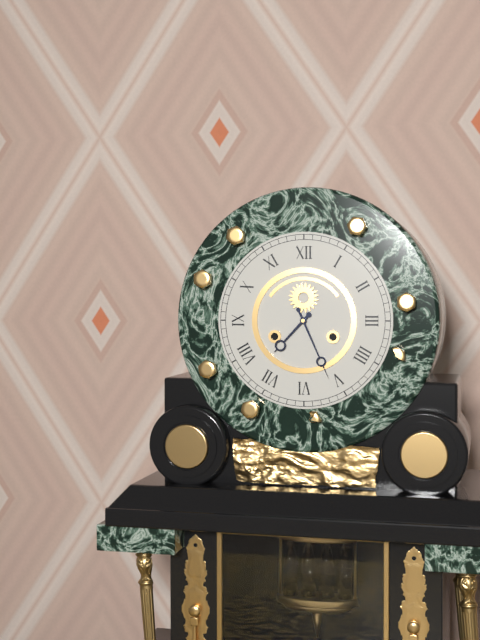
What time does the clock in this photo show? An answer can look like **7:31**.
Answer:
**7:26**
